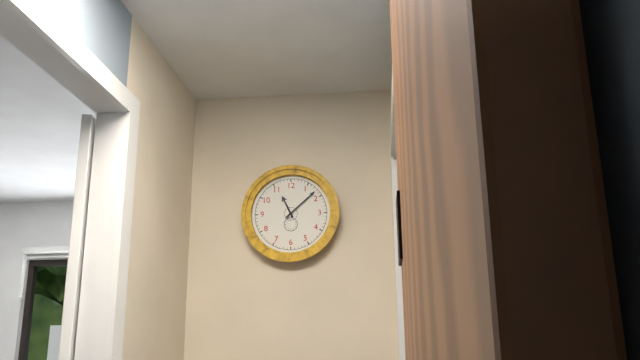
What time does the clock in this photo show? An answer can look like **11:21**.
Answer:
**11:08**
